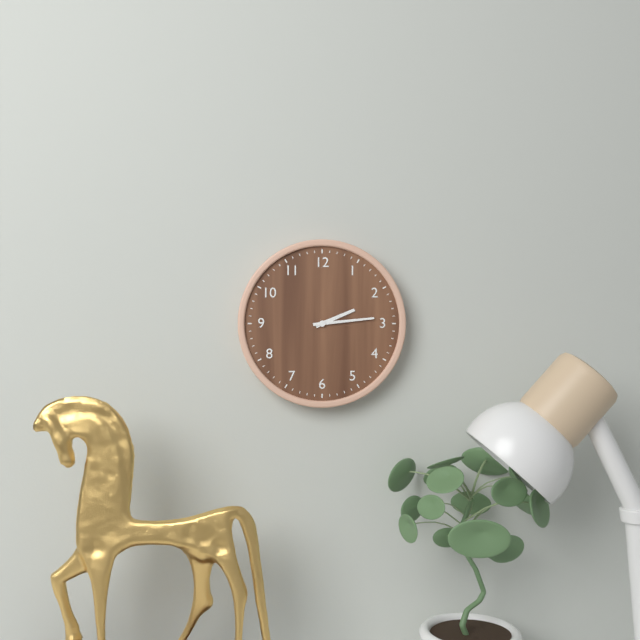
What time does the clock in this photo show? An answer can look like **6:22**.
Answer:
**2:14**
